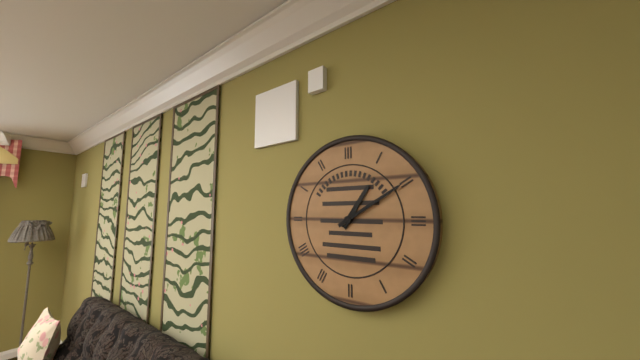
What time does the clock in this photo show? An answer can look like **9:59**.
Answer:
**1:10**
